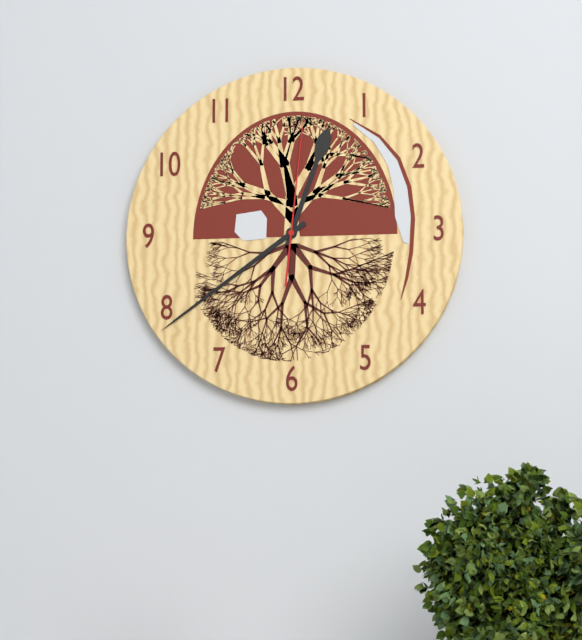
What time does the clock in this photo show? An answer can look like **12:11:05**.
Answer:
**12:39:01**
